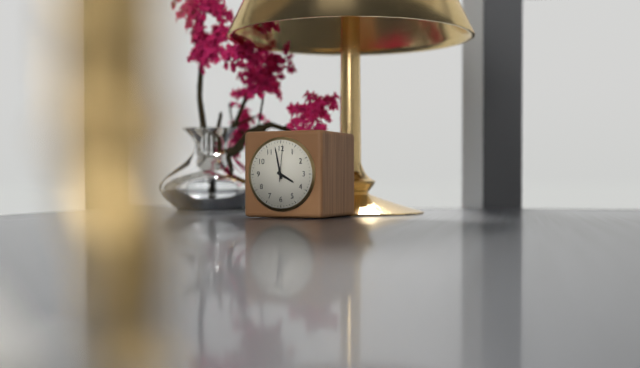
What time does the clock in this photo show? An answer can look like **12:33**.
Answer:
**3:58**
